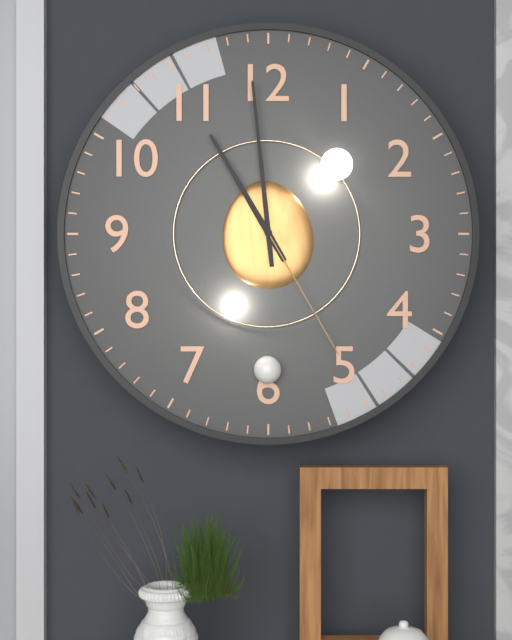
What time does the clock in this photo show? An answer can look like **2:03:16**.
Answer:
**10:59:25**
